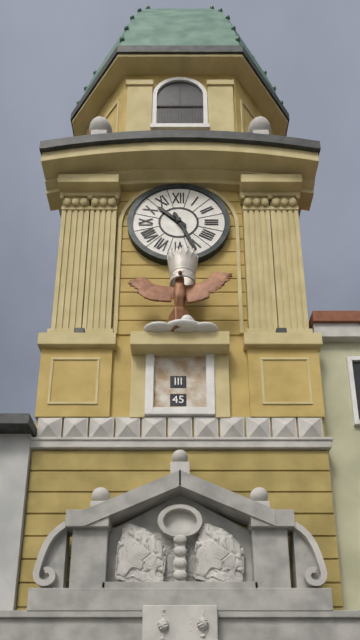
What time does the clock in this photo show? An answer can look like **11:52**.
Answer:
**10:26**
